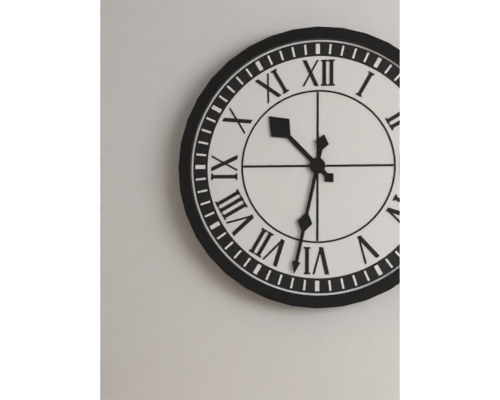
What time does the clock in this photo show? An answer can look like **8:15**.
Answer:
**10:32**
